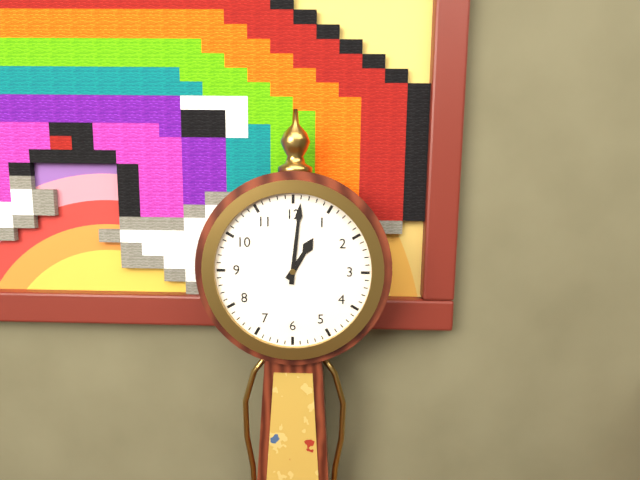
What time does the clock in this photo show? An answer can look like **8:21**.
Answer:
**1:01**
